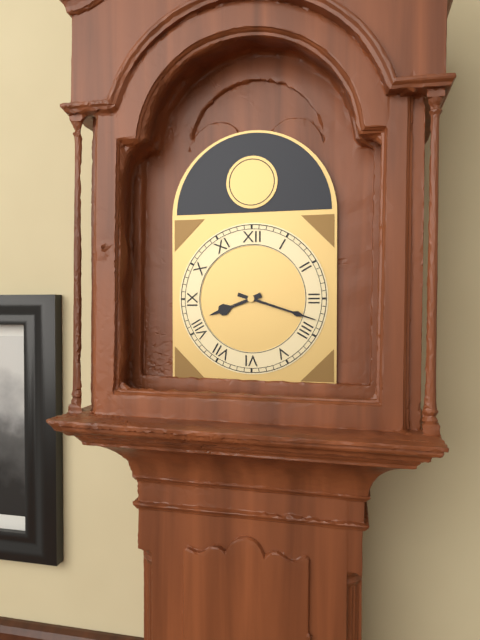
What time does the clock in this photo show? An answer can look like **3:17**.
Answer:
**8:18**
